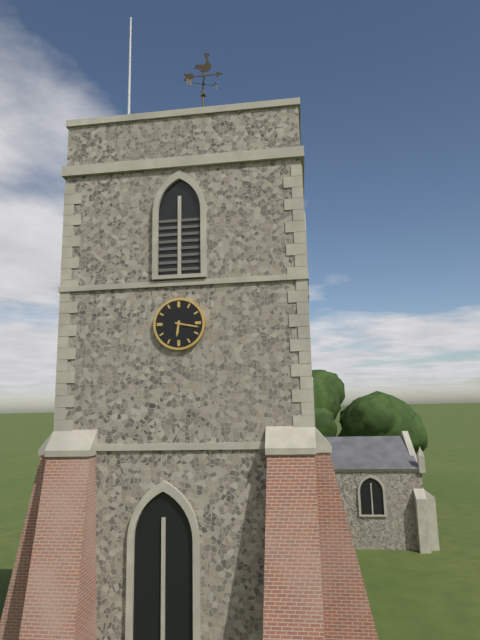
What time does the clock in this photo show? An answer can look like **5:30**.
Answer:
**6:17**
